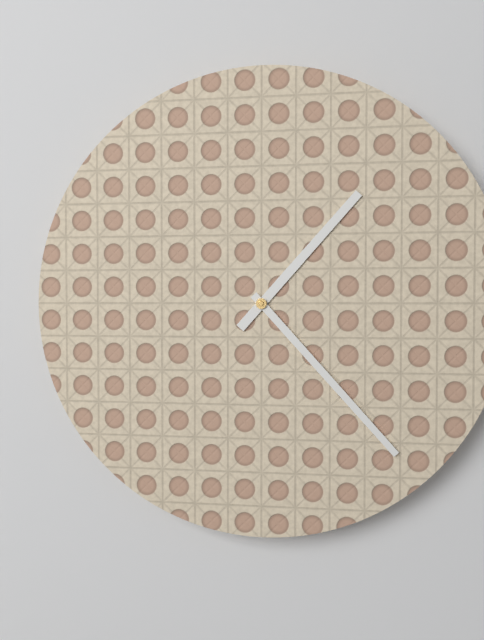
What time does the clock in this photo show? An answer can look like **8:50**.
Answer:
**1:23**
